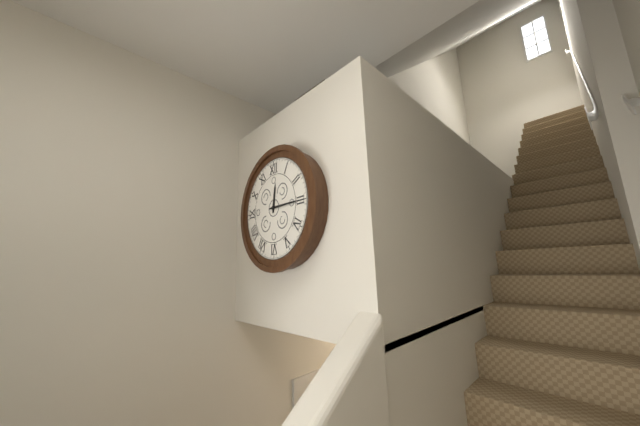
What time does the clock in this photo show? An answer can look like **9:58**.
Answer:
**12:15**
